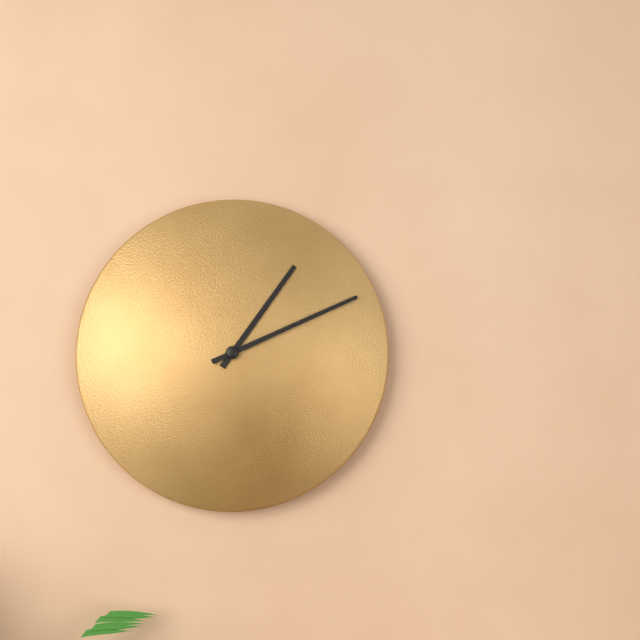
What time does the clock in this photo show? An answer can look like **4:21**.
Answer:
**1:11**
